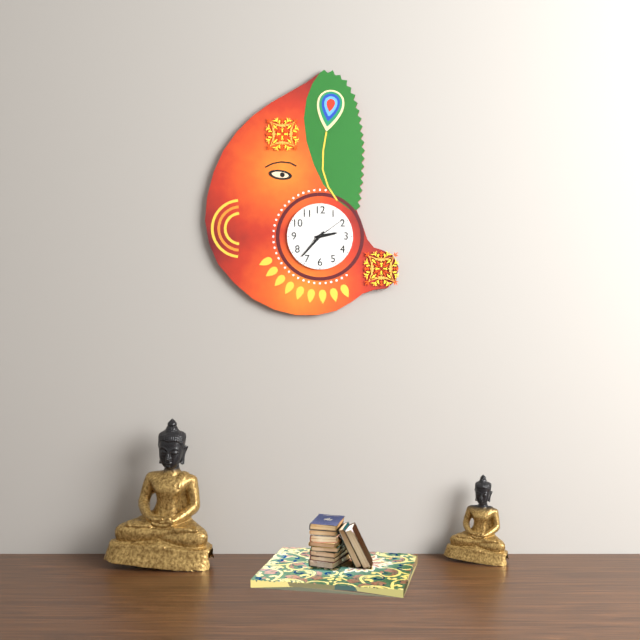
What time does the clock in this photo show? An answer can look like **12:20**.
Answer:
**2:37**
